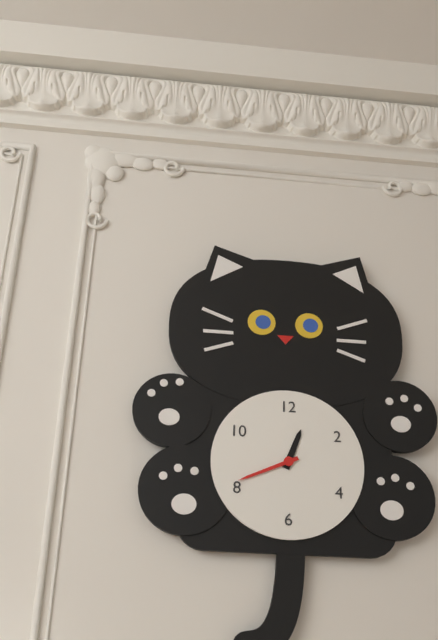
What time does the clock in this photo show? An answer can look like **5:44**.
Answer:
**12:41**
